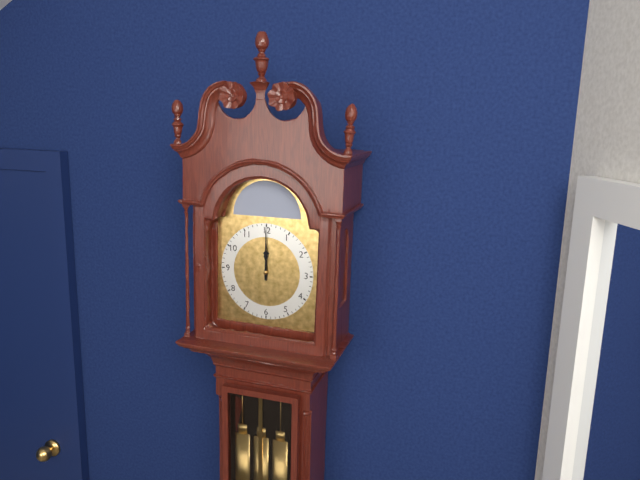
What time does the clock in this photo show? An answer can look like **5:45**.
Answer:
**12:00**
